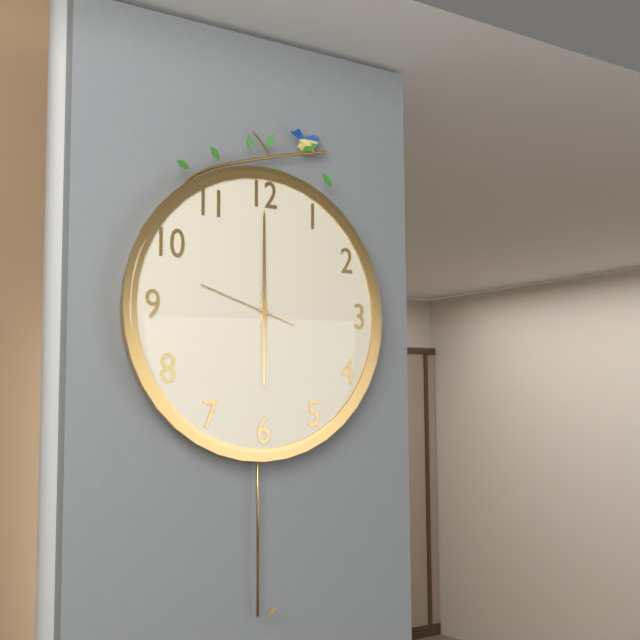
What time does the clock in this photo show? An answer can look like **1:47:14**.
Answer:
**6:00:48**
